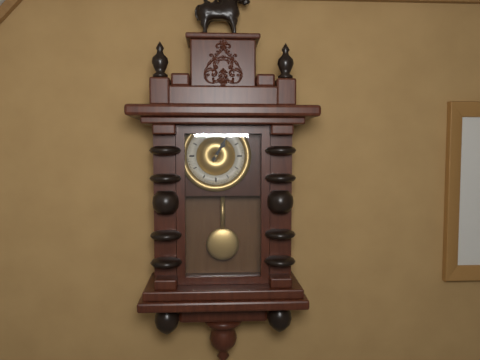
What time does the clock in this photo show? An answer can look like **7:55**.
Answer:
**1:05**
